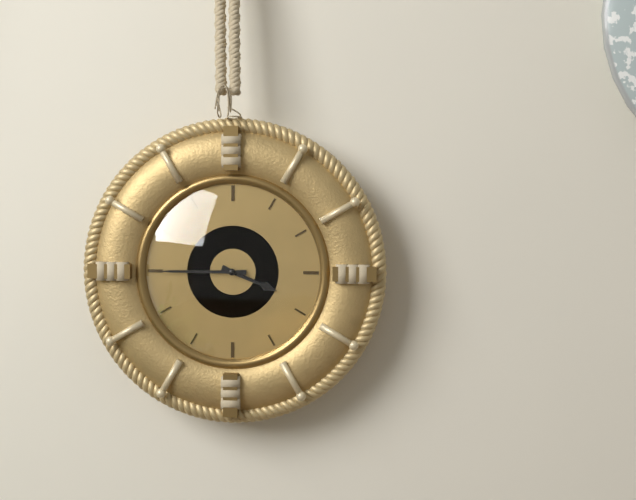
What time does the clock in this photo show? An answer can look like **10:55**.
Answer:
**3:45**
